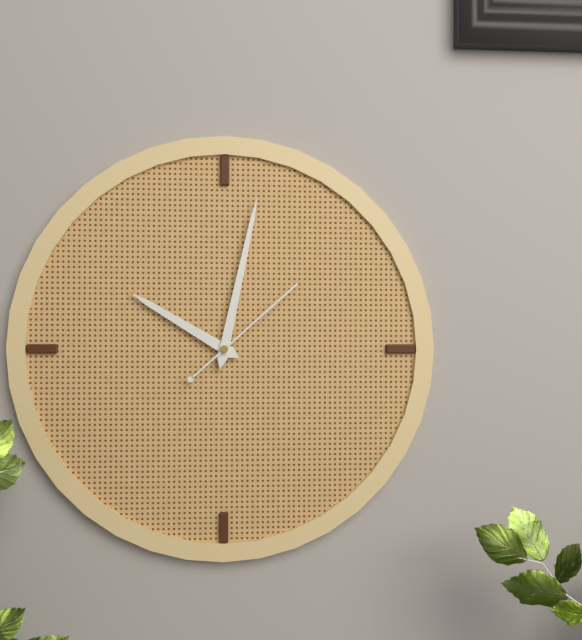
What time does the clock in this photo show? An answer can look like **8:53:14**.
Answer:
**10:02:08**
